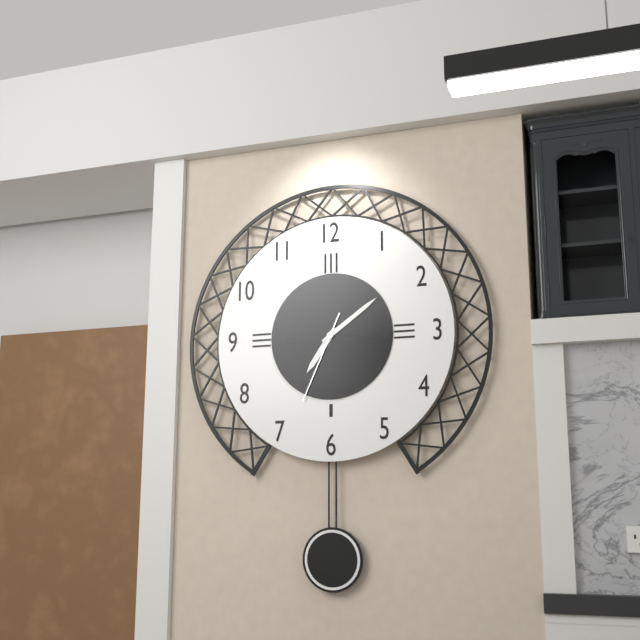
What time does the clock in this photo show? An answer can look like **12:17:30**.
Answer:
**7:09:34**
